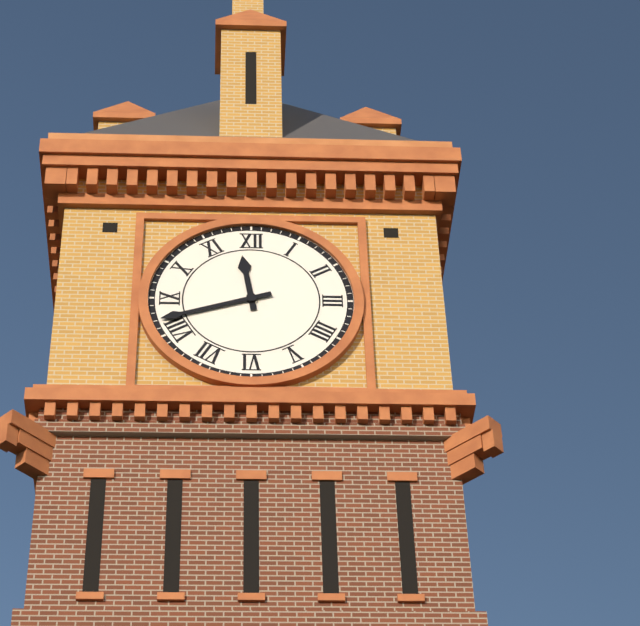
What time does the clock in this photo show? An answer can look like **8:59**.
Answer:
**11:42**
